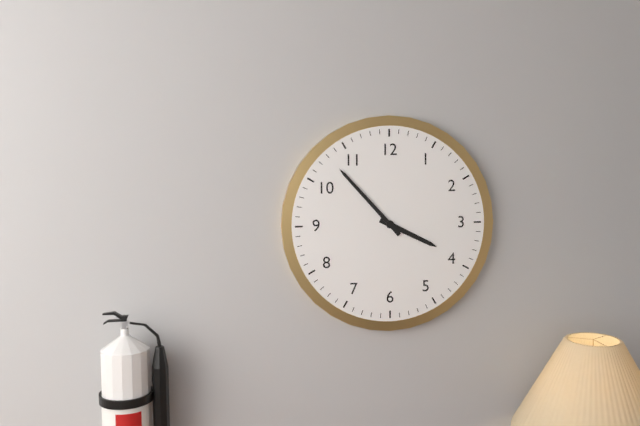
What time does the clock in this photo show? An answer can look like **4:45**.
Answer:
**3:53**
